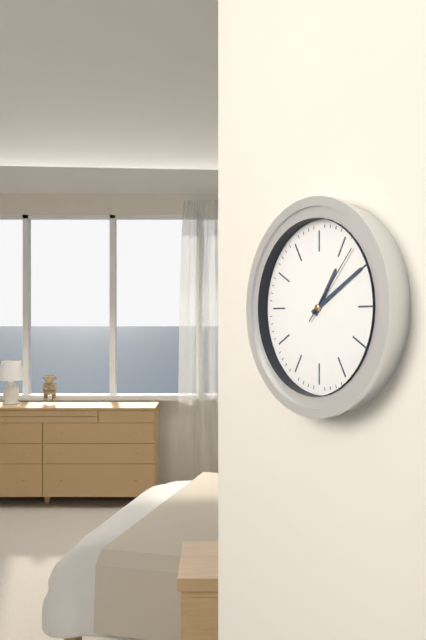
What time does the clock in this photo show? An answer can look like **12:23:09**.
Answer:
**1:10:07**
